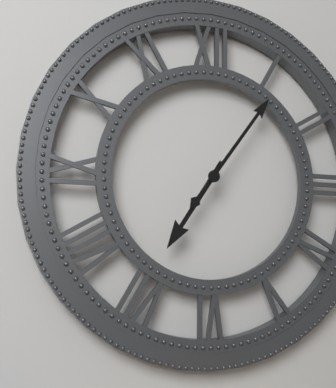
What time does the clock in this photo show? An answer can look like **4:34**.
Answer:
**7:06**
